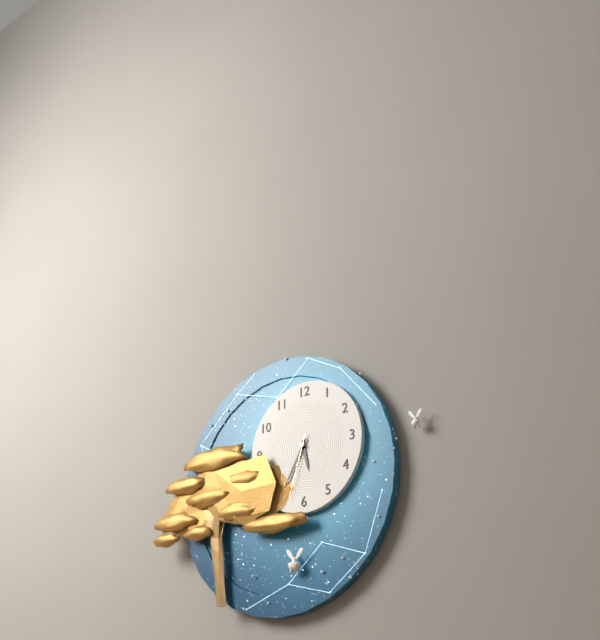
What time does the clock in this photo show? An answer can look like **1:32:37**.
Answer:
**5:35:33**
